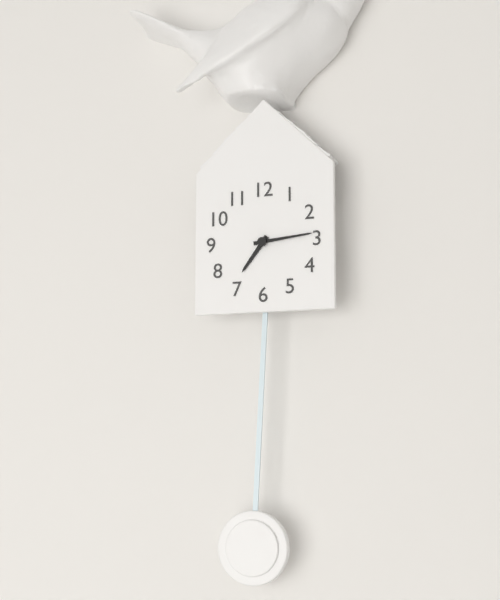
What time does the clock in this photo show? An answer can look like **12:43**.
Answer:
**7:14**
